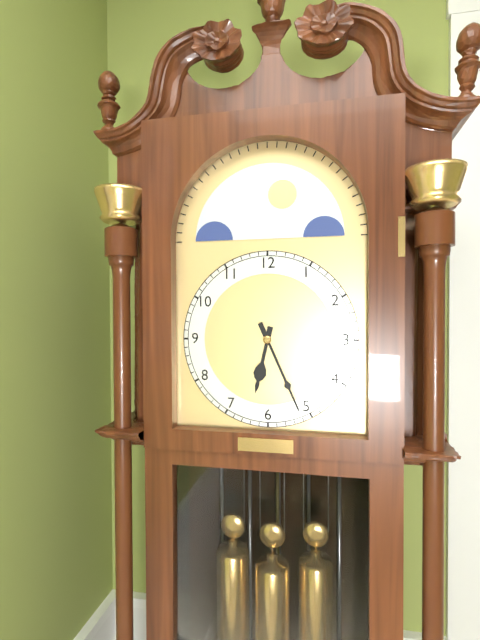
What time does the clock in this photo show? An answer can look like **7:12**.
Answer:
**6:26**
